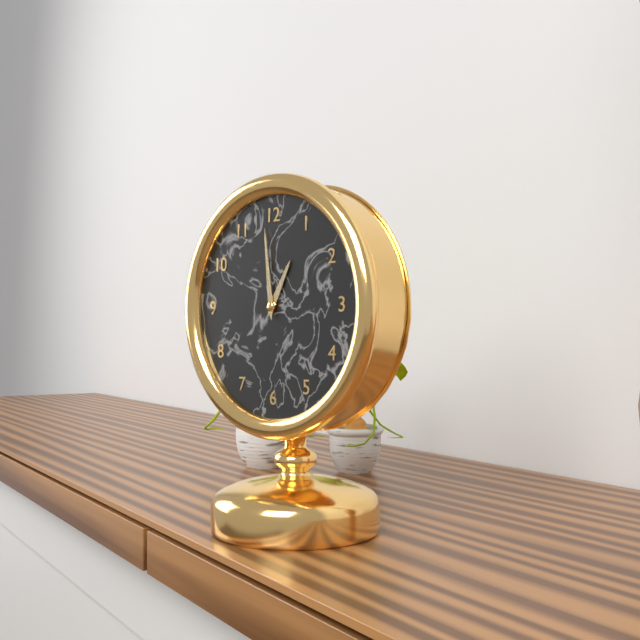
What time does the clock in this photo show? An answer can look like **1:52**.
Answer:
**12:59**
